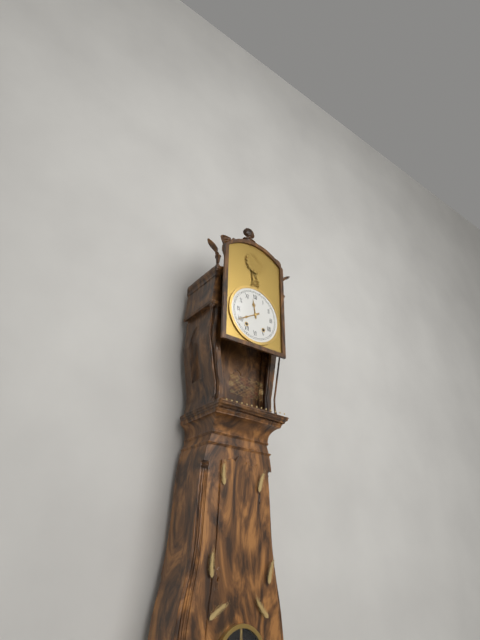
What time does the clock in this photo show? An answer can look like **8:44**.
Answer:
**11:40**
